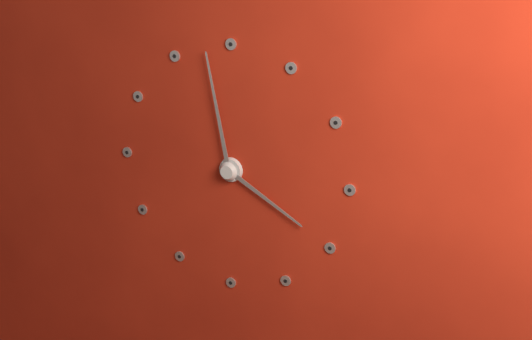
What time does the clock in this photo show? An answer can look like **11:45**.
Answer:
**3:58**
